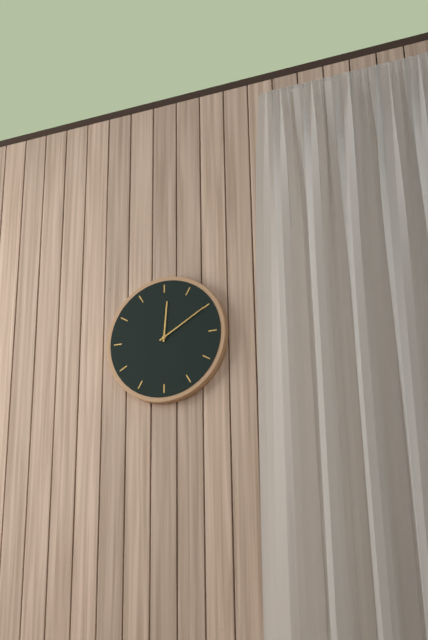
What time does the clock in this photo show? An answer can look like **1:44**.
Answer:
**12:10**
